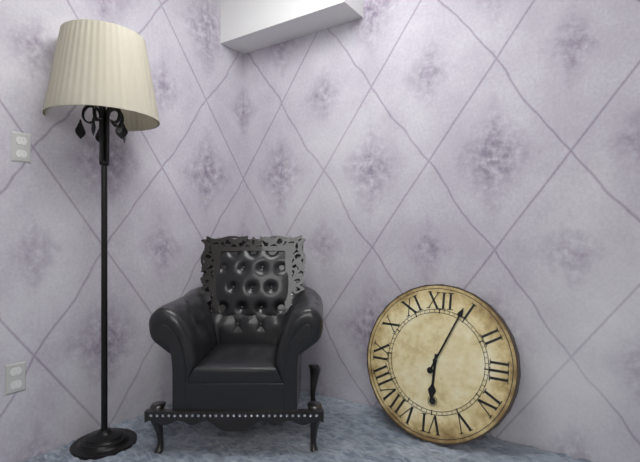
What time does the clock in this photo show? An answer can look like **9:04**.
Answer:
**6:04**
